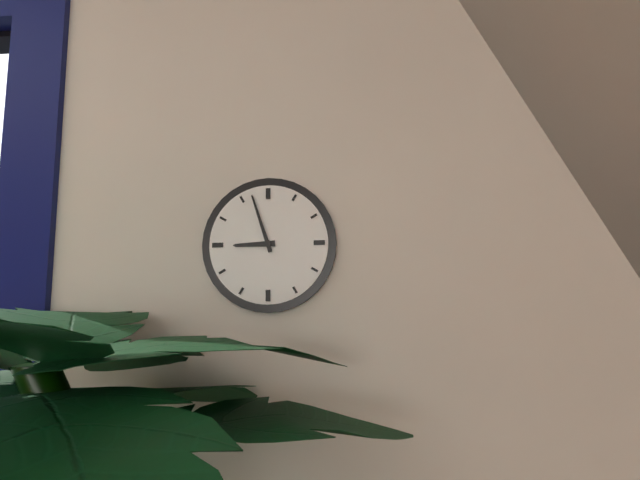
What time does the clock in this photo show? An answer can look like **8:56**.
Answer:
**8:57**
